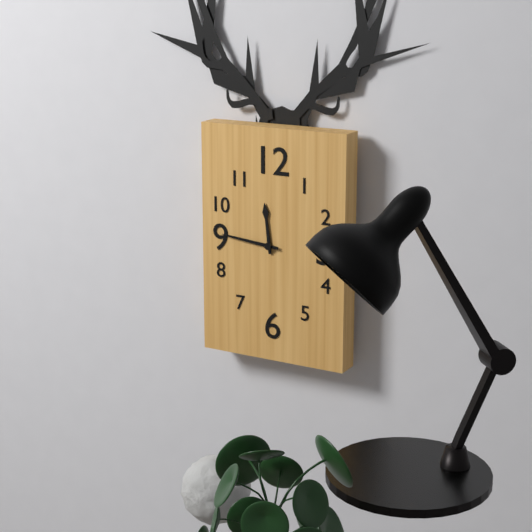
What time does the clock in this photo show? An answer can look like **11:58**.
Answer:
**11:46**
